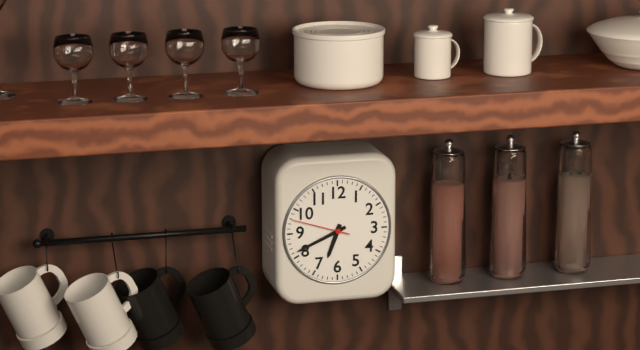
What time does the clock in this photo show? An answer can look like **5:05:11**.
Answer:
**6:41:48**
